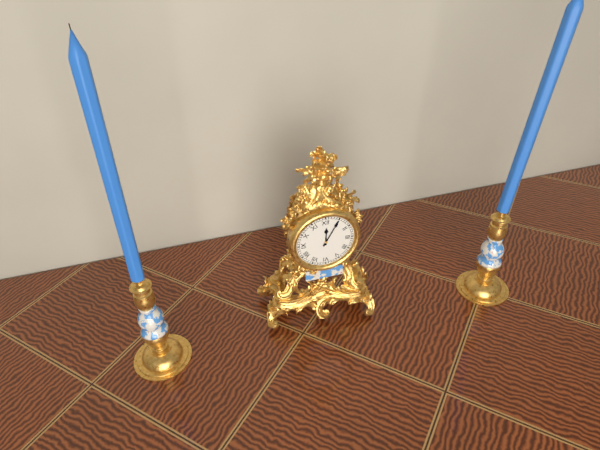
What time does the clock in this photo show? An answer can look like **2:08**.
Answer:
**12:05**
